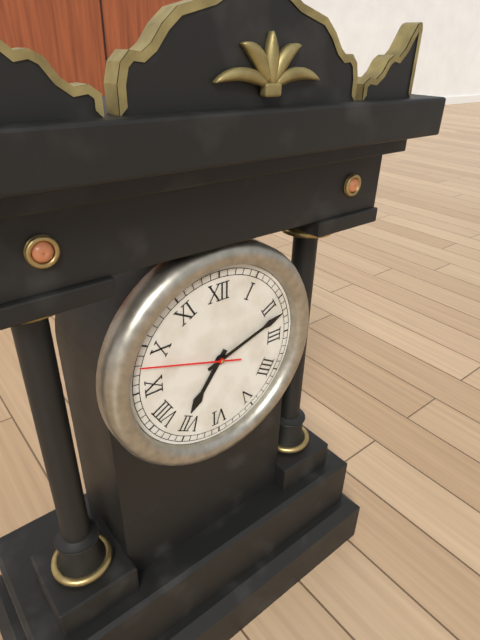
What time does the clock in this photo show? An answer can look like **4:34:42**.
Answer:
**7:12:48**
